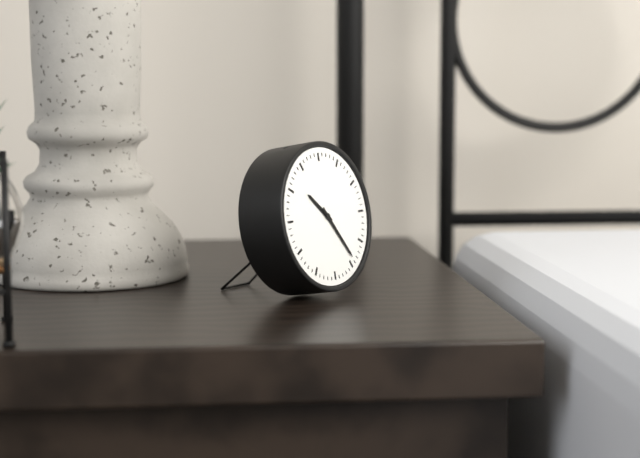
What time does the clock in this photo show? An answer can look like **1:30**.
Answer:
**10:24**
